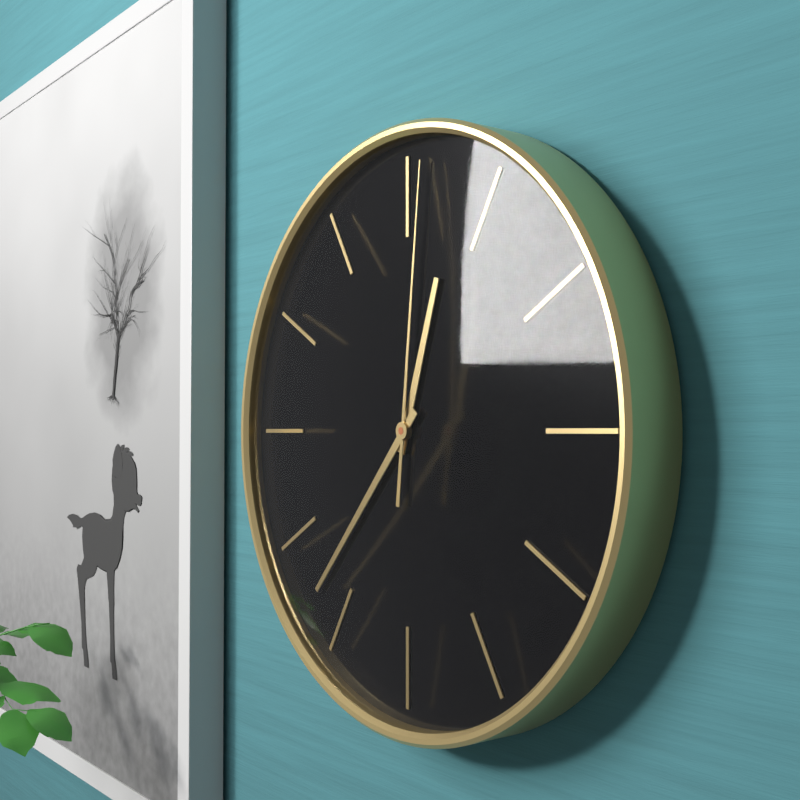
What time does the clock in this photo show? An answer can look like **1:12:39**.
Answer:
**12:37:01**
